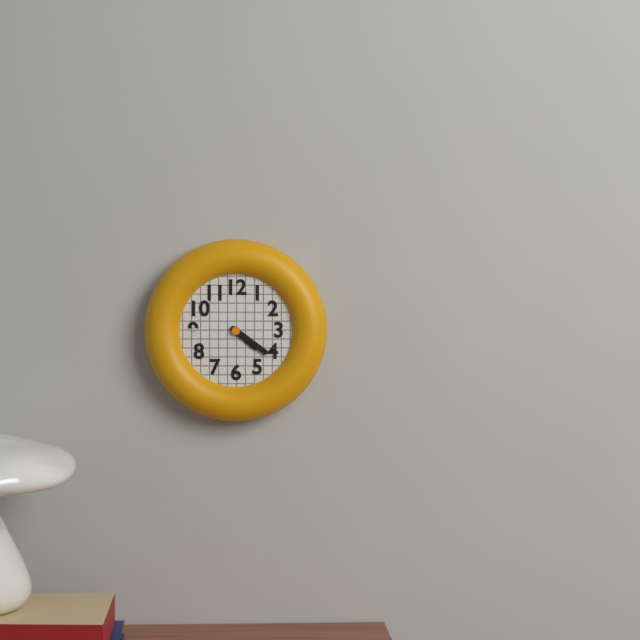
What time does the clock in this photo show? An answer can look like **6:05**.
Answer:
**4:21**
